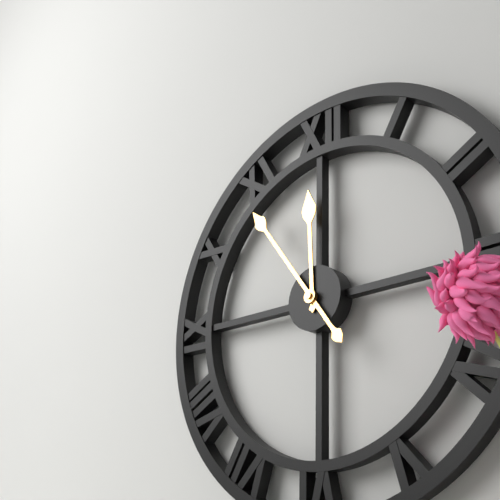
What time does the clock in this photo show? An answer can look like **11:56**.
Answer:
**11:54**
